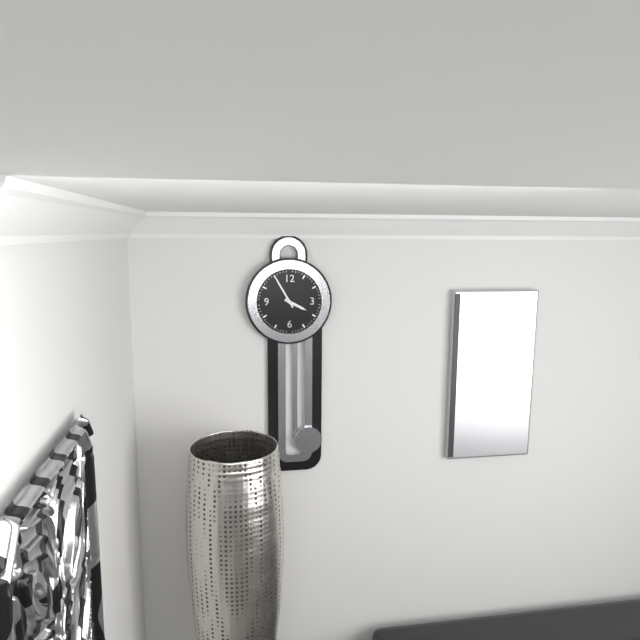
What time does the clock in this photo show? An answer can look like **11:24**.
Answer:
**3:55**
